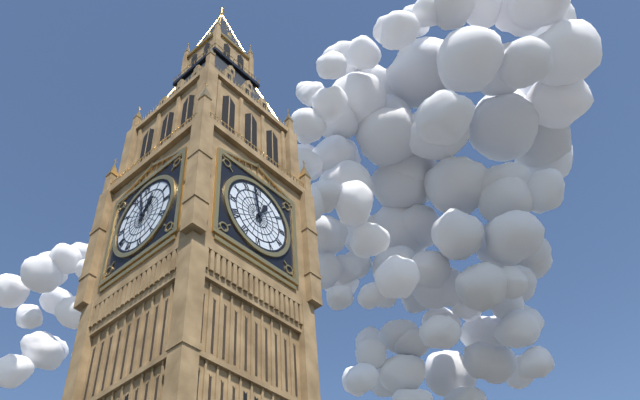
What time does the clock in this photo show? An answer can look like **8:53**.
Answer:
**12:58**
